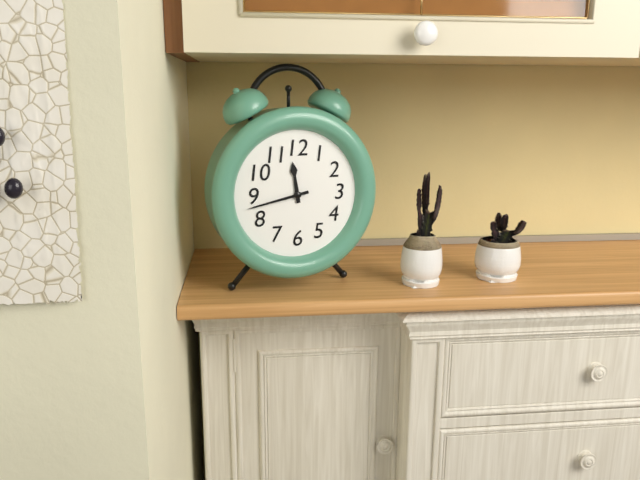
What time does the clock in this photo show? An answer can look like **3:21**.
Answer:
**11:43**
